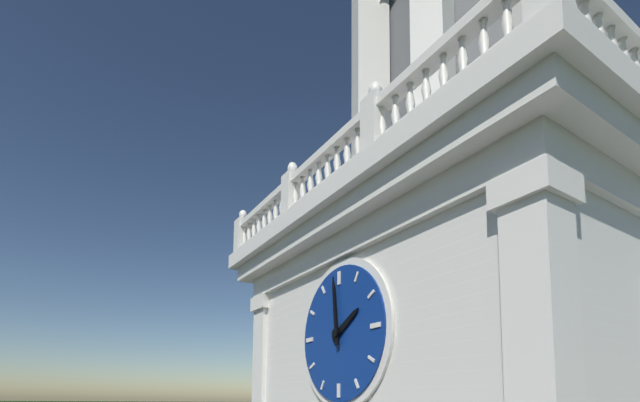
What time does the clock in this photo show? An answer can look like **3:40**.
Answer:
**1:59**
